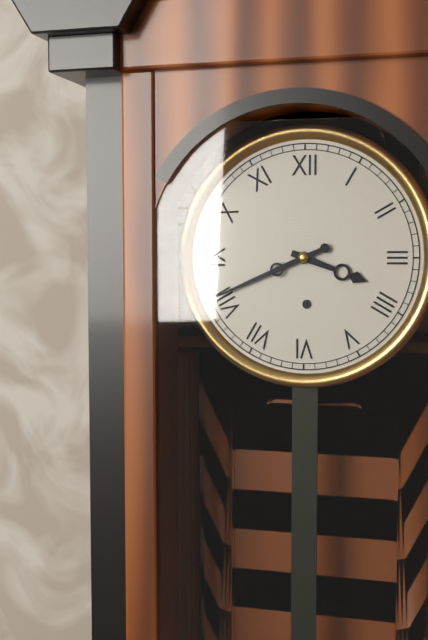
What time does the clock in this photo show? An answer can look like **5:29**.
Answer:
**3:41**
